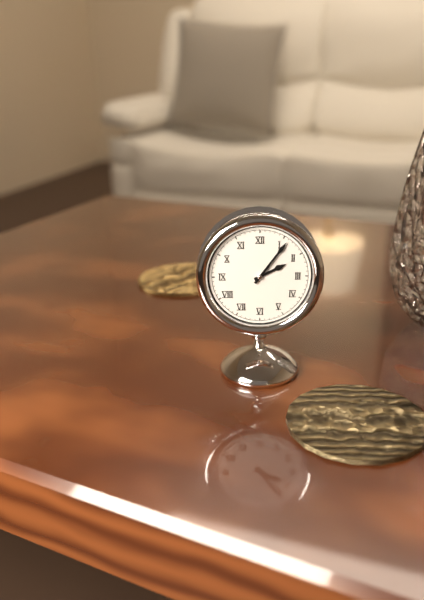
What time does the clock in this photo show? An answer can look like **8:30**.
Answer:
**2:06**
